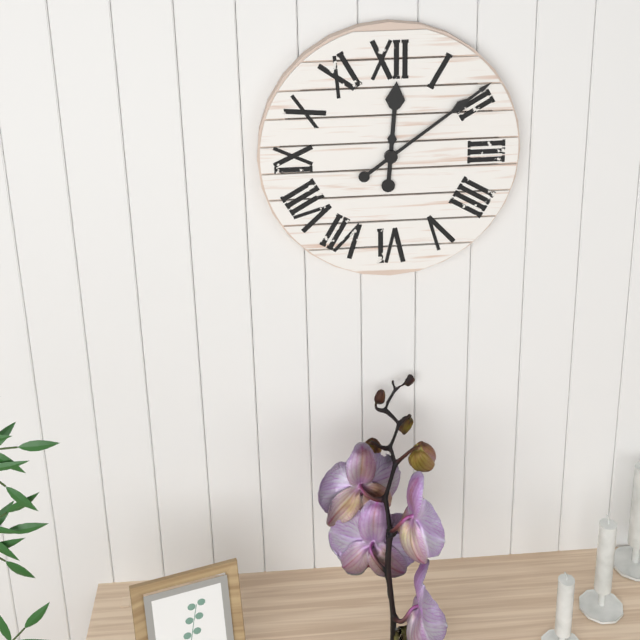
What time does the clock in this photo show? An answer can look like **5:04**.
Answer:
**12:09**
